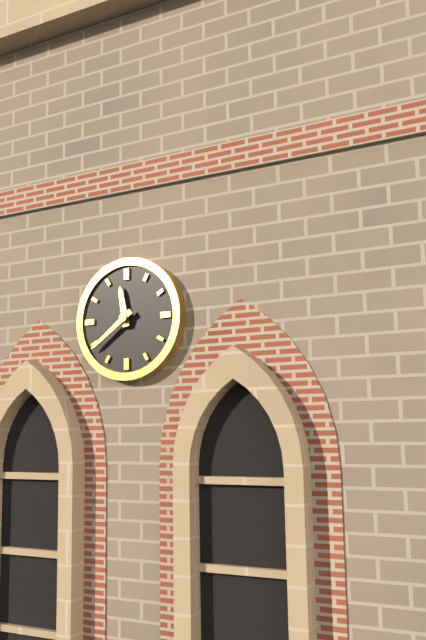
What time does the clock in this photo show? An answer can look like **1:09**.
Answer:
**11:39**
